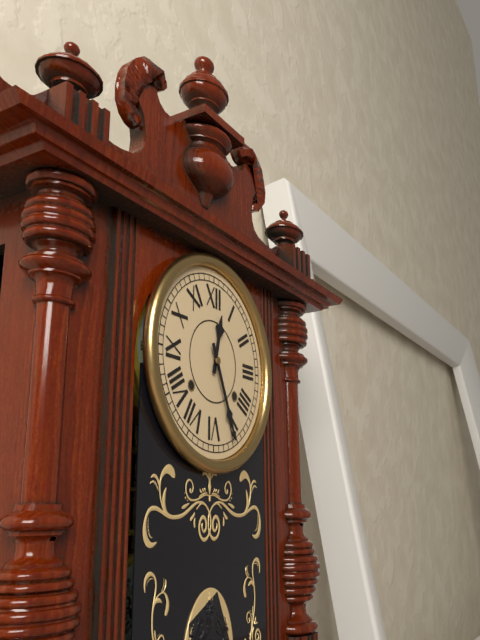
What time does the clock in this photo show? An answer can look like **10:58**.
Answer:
**12:26**
